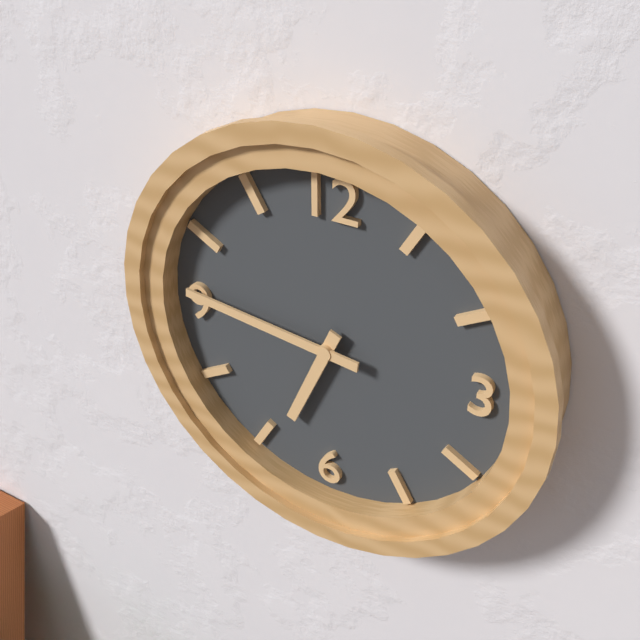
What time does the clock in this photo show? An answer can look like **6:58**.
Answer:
**6:46**
